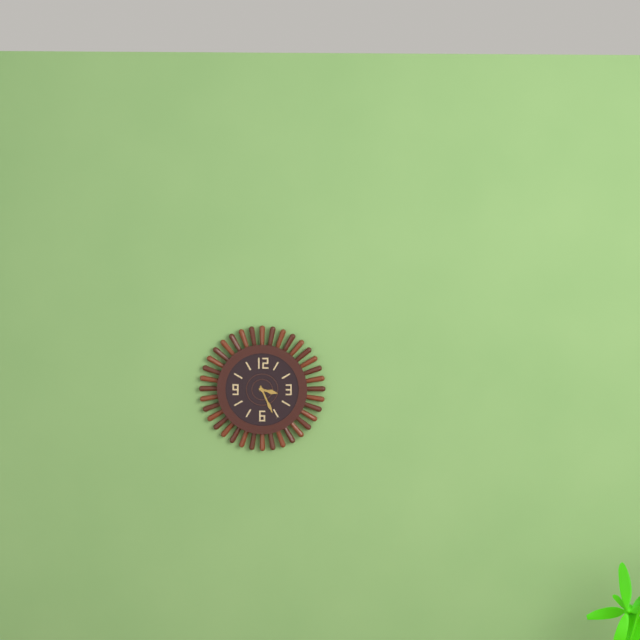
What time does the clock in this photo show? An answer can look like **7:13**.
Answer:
**3:26**
